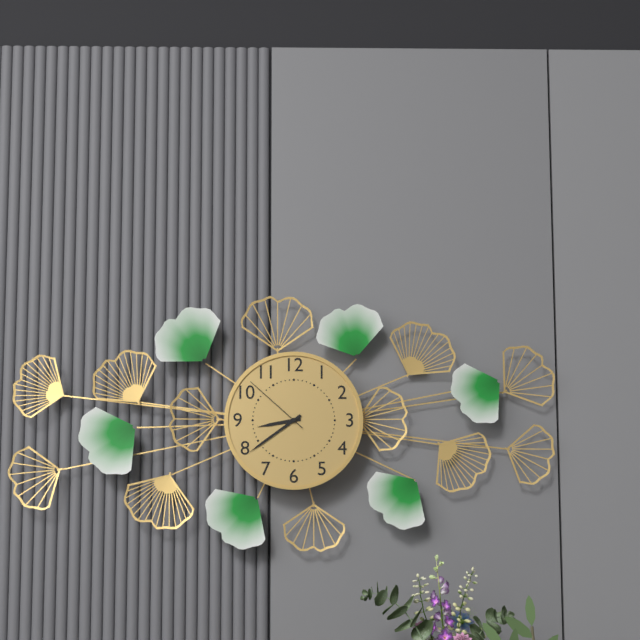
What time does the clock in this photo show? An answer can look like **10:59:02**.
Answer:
**8:39:52**
